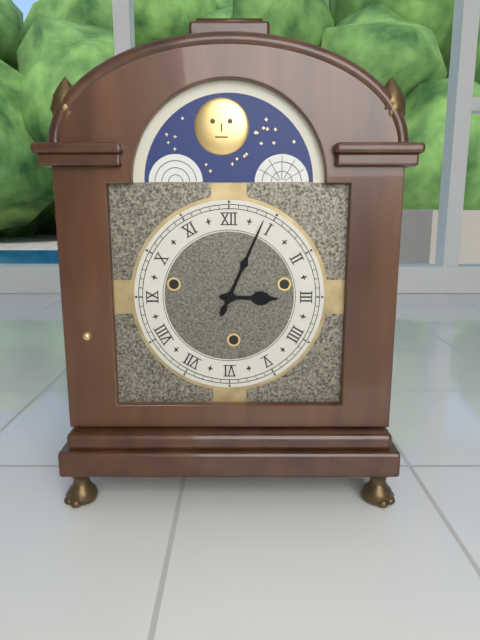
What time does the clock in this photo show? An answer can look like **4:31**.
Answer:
**3:04**
